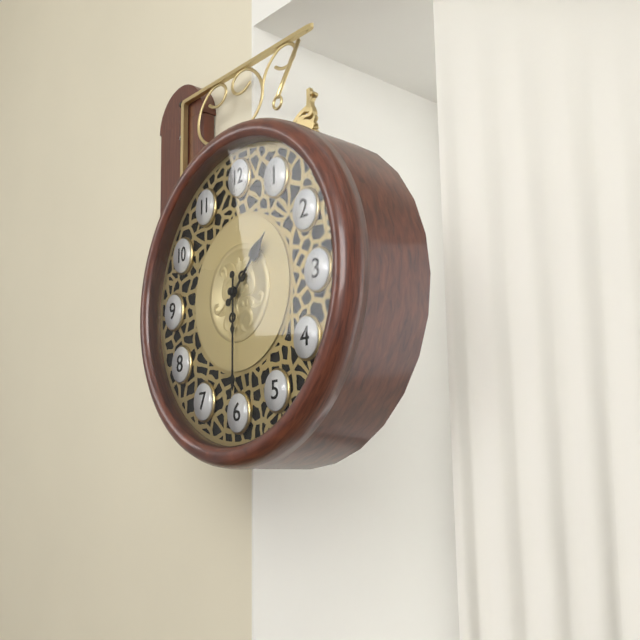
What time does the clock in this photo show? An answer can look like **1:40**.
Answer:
**1:30**
